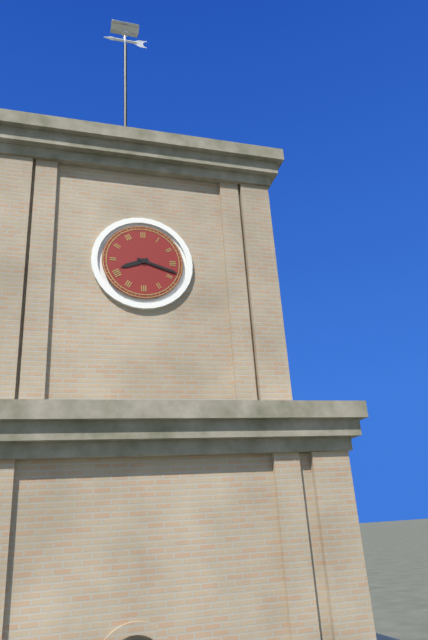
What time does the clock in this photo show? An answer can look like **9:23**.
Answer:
**8:18**
